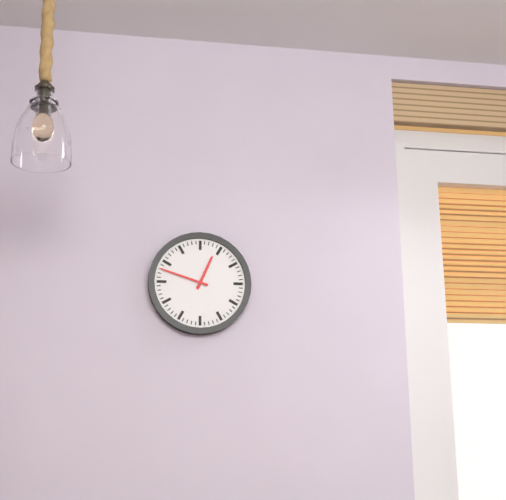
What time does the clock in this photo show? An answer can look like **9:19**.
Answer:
**12:48**
